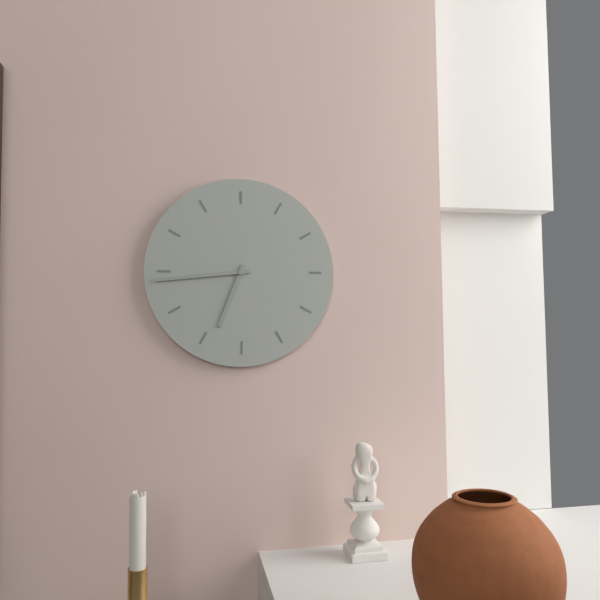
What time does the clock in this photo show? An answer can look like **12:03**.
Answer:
**6:44**
